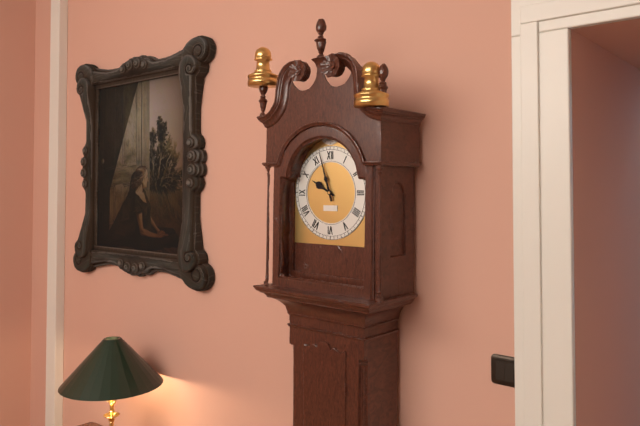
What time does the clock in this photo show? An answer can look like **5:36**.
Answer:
**9:57**
